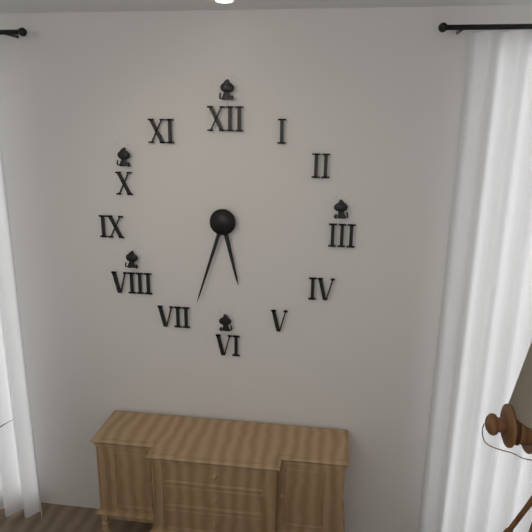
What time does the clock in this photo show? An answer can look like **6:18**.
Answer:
**5:33**
